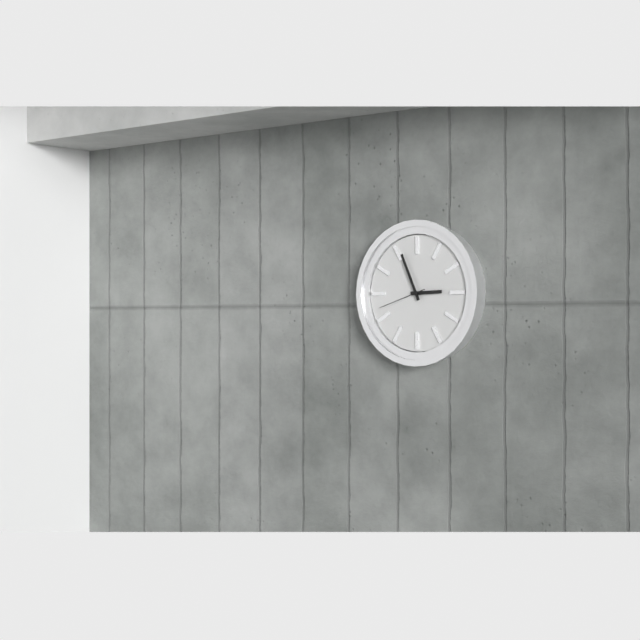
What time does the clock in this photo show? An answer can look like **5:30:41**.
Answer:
**2:56:42**
